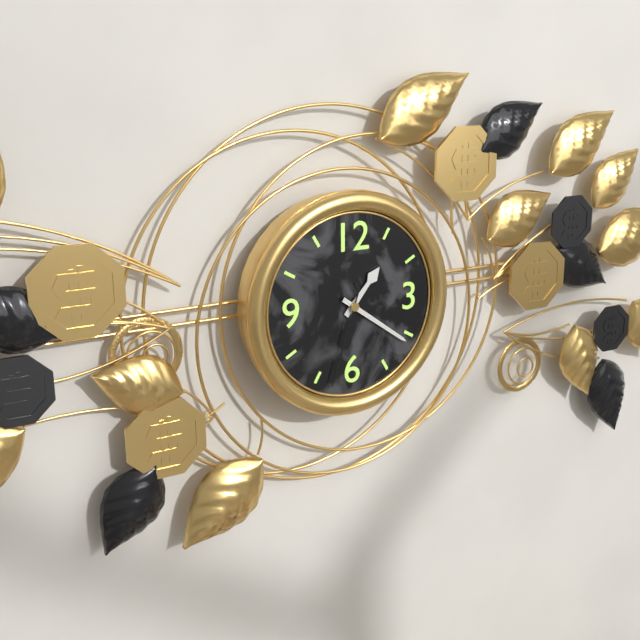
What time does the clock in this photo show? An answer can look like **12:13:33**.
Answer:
**1:21:33**
